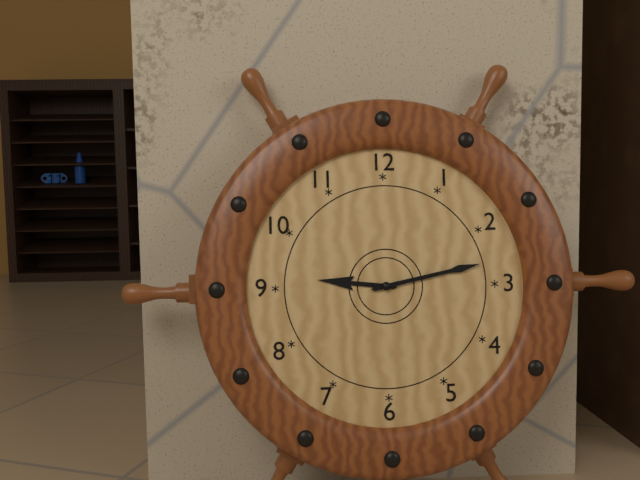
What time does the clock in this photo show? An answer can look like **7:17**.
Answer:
**9:13**
